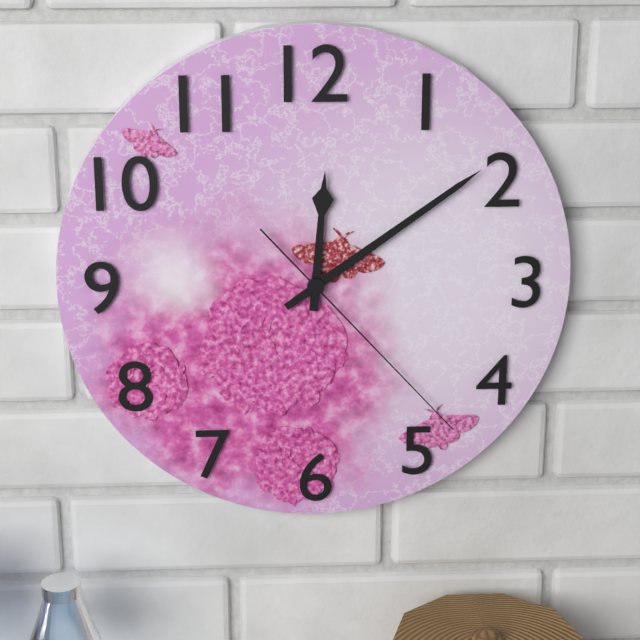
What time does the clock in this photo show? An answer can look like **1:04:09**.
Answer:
**12:09:23**
